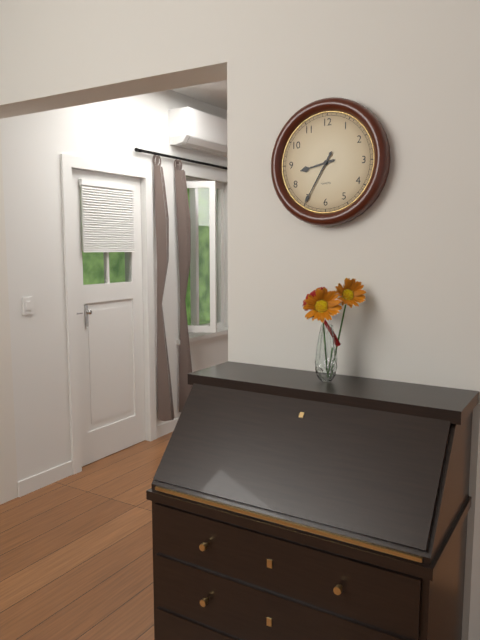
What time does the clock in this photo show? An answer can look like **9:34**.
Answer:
**8:35**
